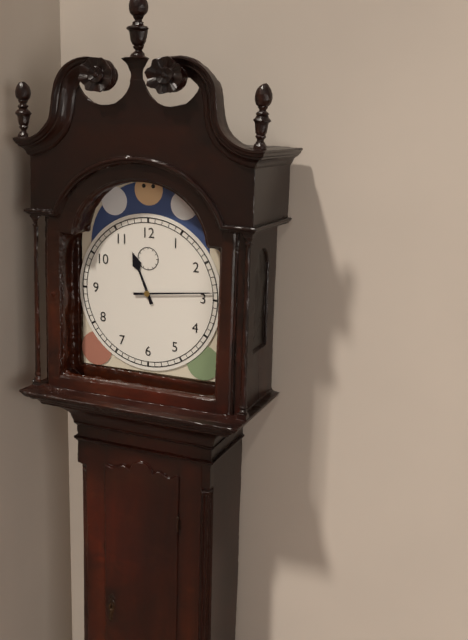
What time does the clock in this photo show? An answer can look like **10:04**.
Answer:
**11:14**
